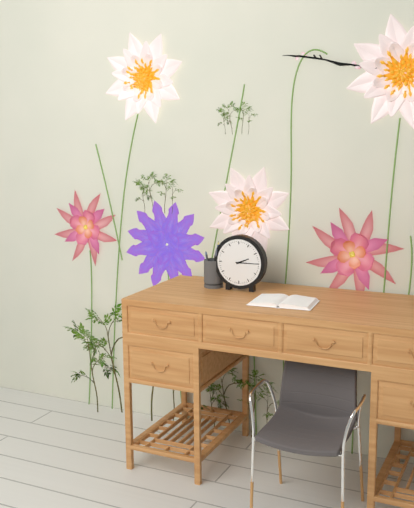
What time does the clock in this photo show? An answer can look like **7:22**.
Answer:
**2:15**
